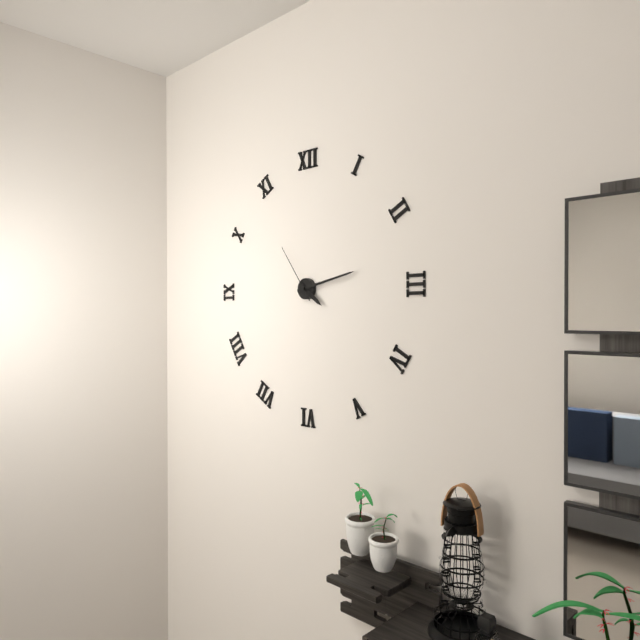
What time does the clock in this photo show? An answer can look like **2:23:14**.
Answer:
**4:13:54**
